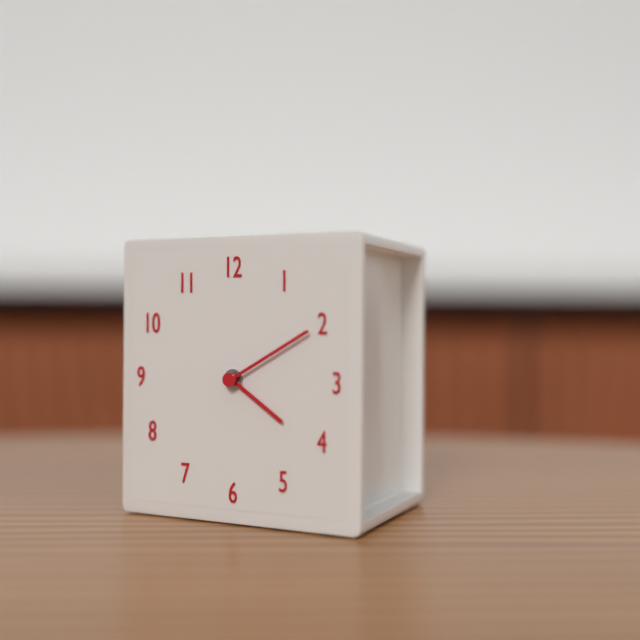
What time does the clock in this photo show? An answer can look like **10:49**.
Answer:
**4:10**
